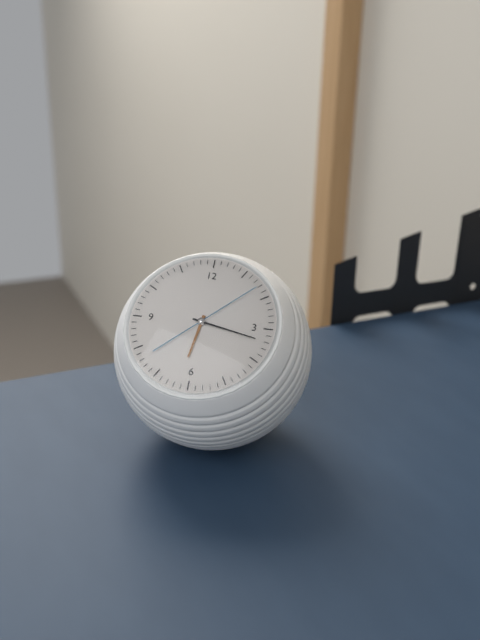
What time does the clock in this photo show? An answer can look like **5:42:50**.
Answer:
**6:17:08**
